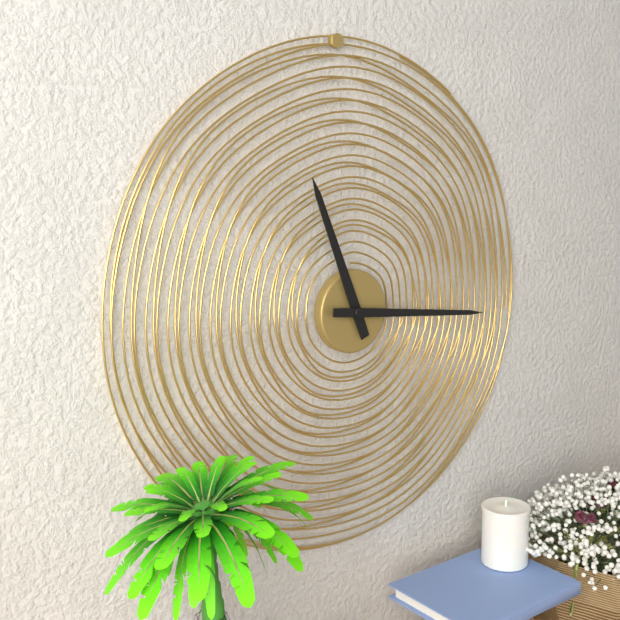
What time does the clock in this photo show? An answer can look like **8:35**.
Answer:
**11:16**
